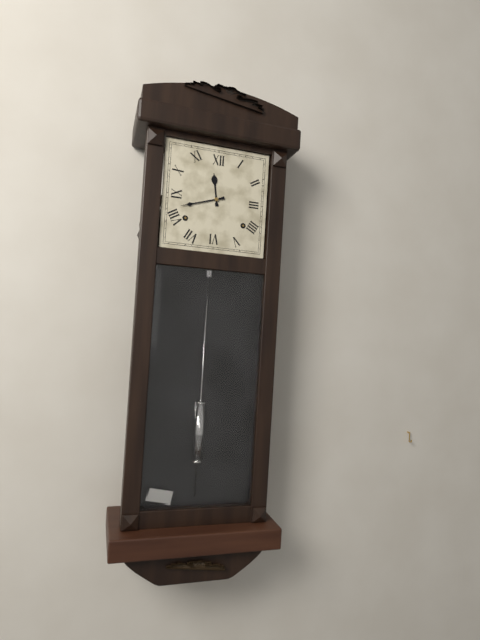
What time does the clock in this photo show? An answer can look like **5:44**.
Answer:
**11:42**
